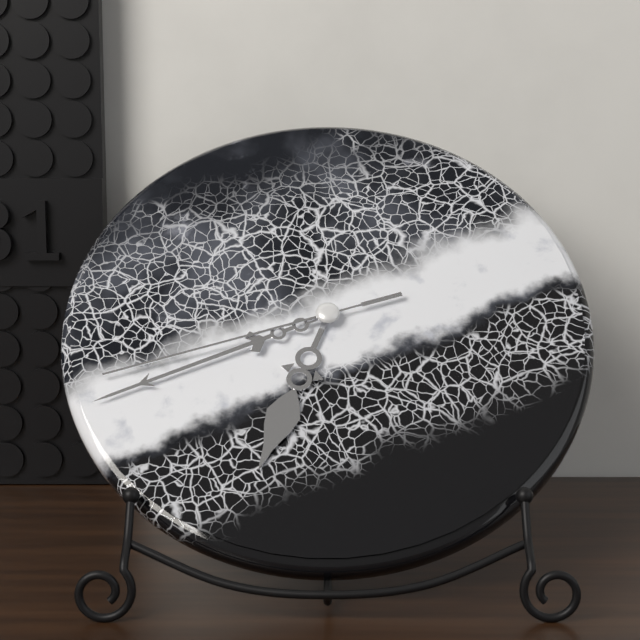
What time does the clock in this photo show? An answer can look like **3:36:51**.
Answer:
**6:41:42**
